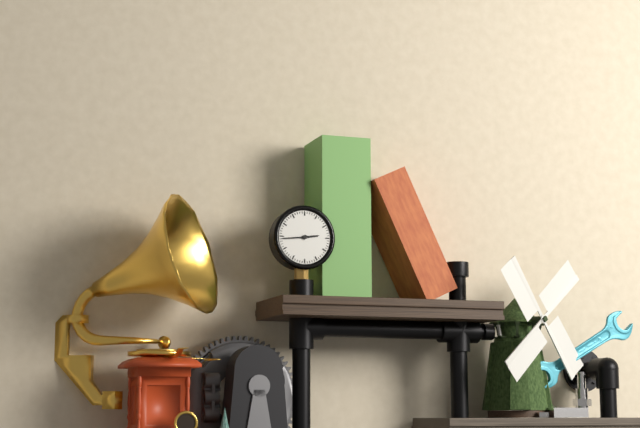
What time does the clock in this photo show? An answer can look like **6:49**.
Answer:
**2:44**
